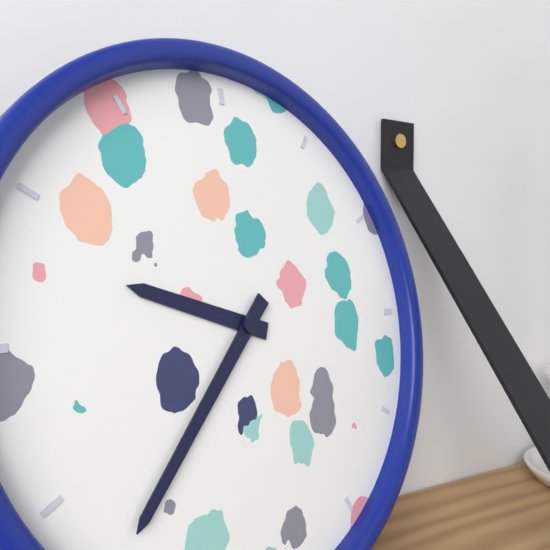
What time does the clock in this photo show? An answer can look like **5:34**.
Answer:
**9:37**
